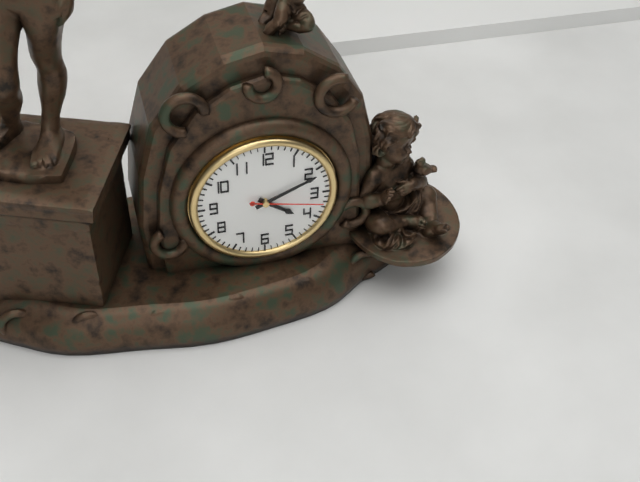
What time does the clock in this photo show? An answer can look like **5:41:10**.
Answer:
**4:11:17**
